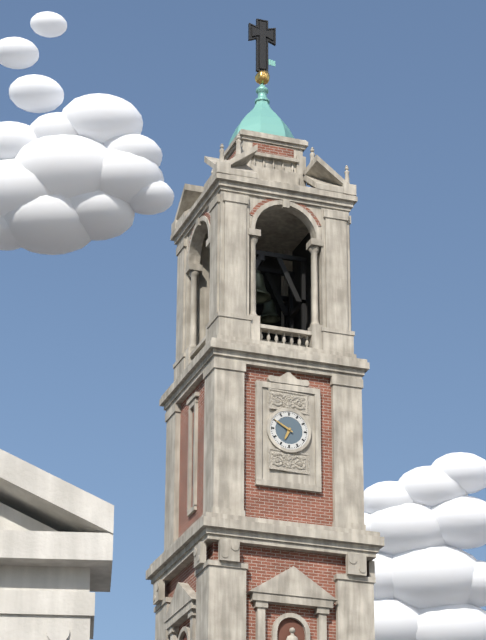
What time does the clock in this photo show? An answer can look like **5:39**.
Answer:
**6:50**
